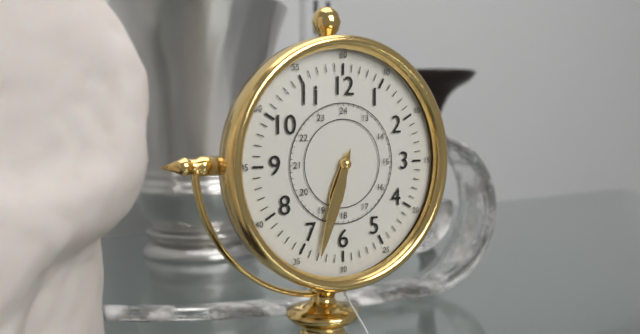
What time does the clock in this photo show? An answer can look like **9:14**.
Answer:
**6:33**
